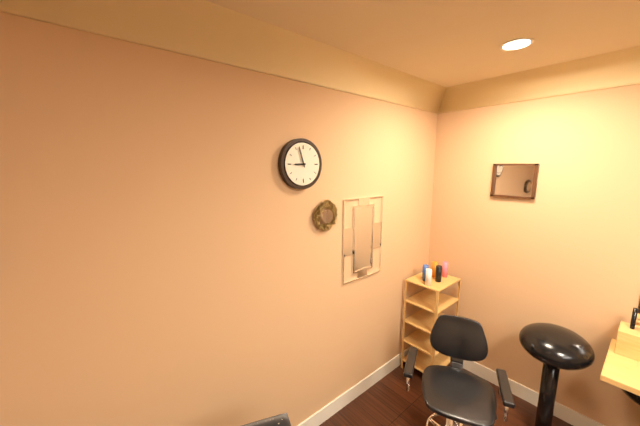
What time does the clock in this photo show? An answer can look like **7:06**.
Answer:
**8:57**
